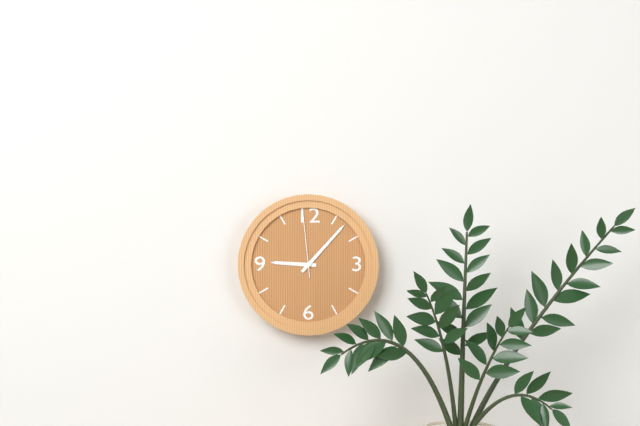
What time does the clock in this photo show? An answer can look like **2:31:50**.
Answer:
**9:07:59**
